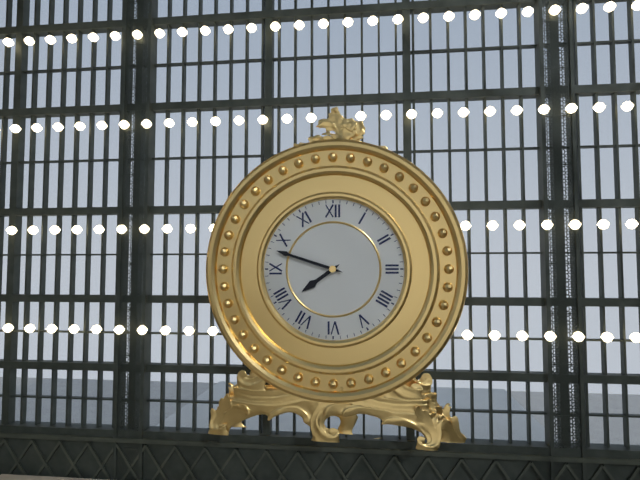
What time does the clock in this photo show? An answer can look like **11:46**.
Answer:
**7:48**
